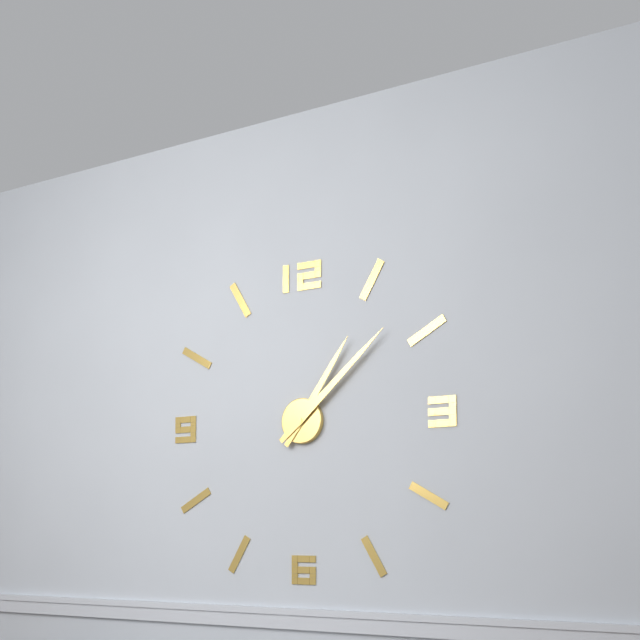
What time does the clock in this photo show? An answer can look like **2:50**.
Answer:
**1:08**
